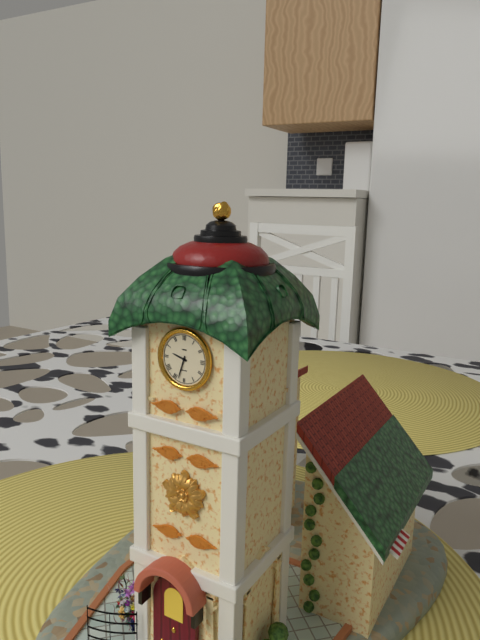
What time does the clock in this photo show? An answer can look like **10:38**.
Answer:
**9:33**
